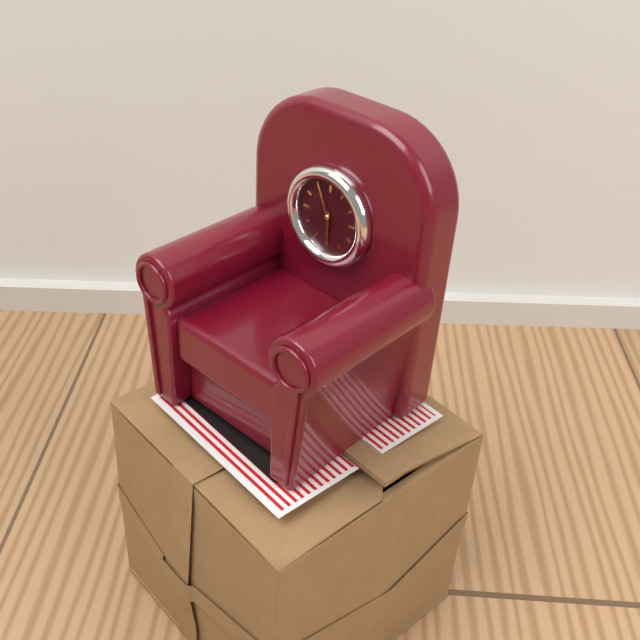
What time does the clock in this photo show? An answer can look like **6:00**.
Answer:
**5:56**
